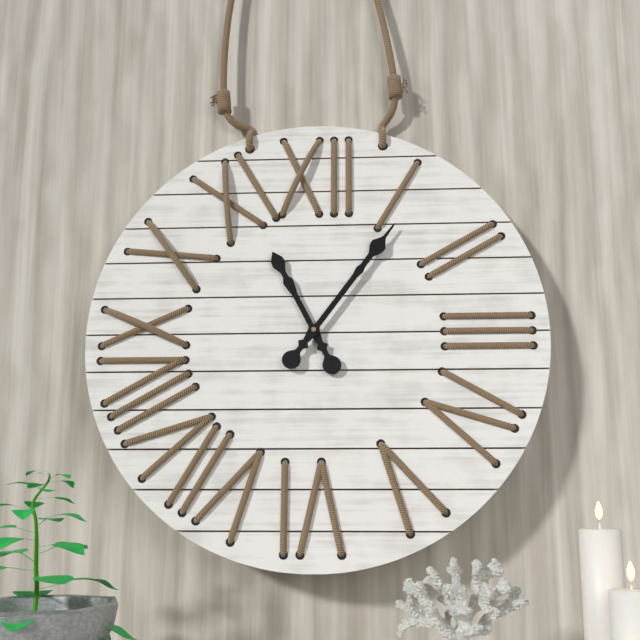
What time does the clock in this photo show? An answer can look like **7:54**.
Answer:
**11:06**
